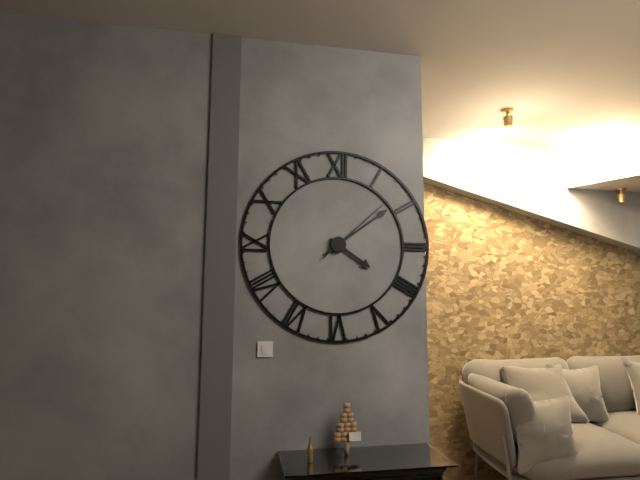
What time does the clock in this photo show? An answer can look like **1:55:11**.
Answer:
**4:09:08**
